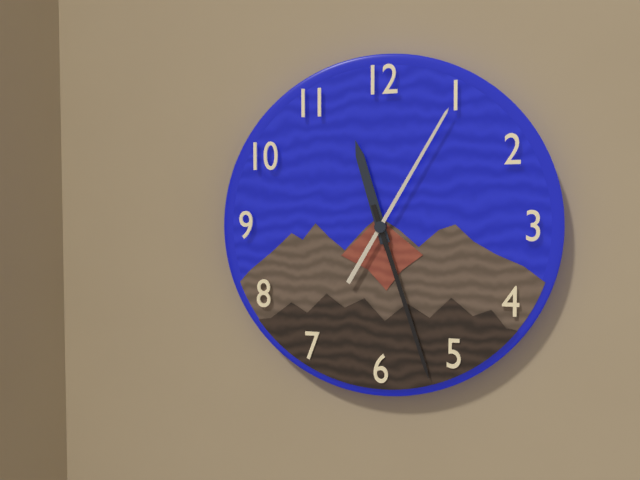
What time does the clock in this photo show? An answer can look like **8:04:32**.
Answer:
**11:27:05**
